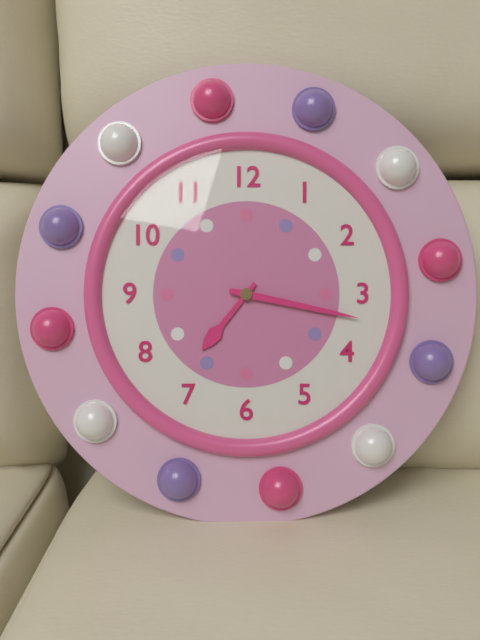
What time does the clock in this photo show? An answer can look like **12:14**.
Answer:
**7:17**
